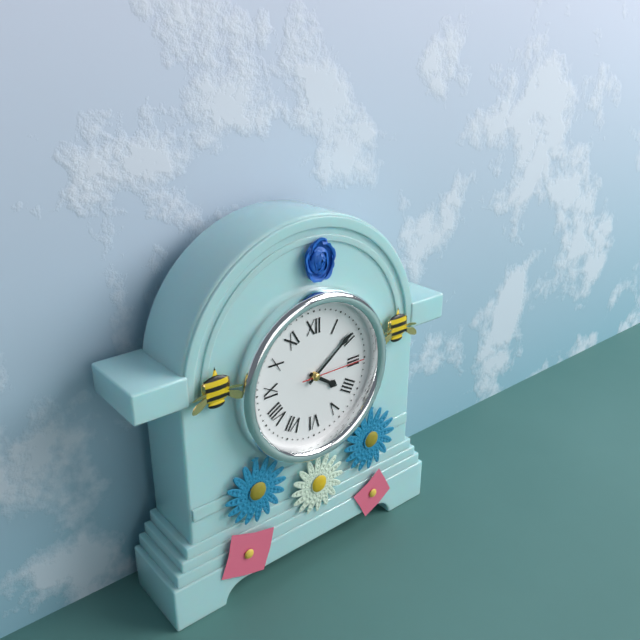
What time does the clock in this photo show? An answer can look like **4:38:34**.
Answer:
**4:09:15**
